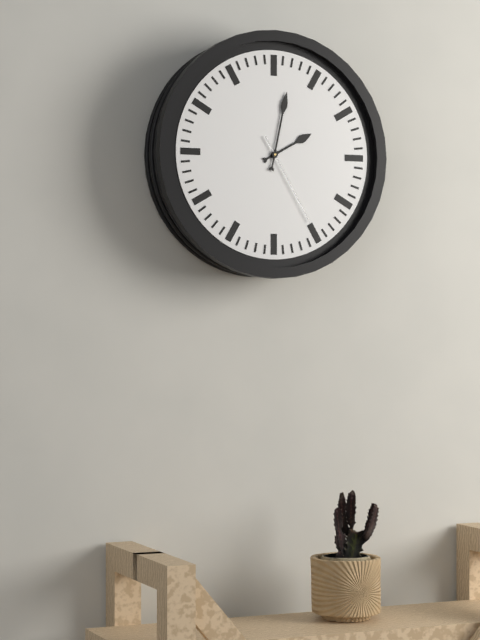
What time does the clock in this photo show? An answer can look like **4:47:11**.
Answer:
**2:02:25**
